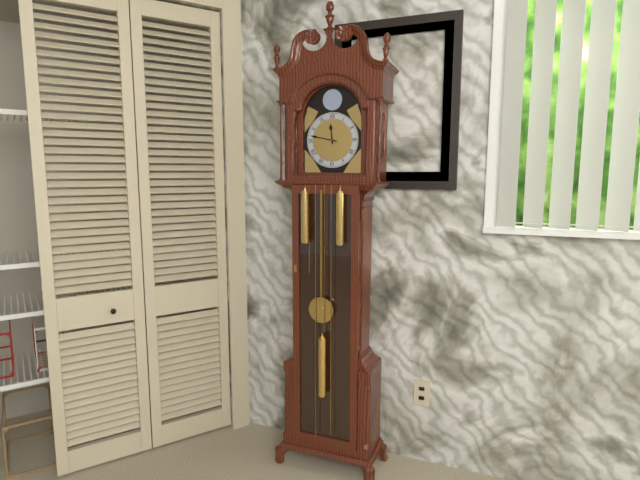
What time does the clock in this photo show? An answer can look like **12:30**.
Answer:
**11:47**
